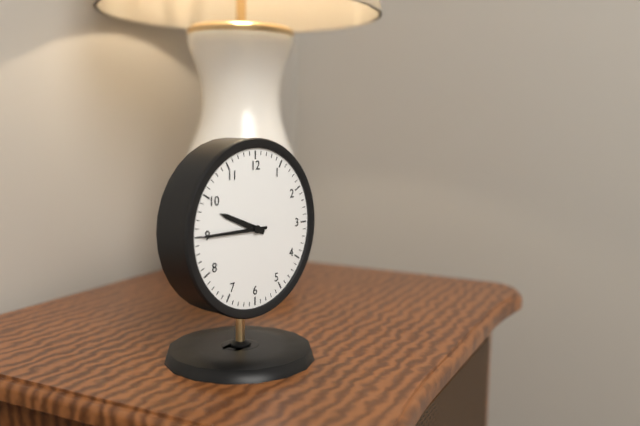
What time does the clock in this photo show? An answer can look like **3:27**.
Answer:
**9:45**
